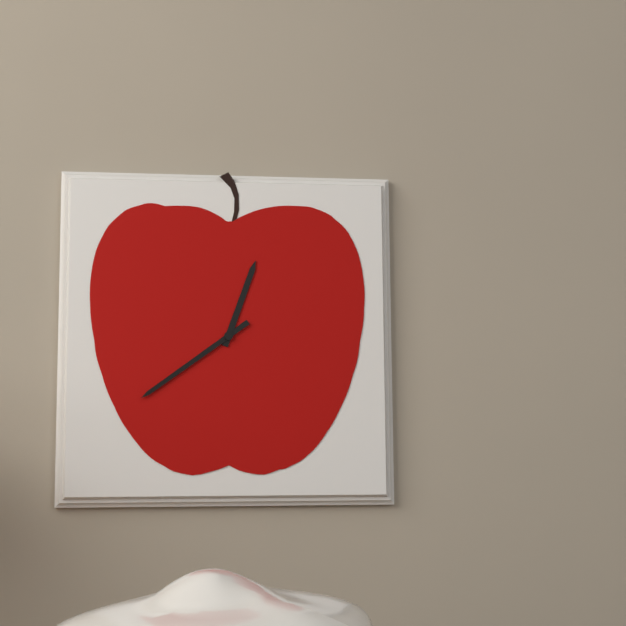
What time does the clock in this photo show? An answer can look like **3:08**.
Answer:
**12:39**
